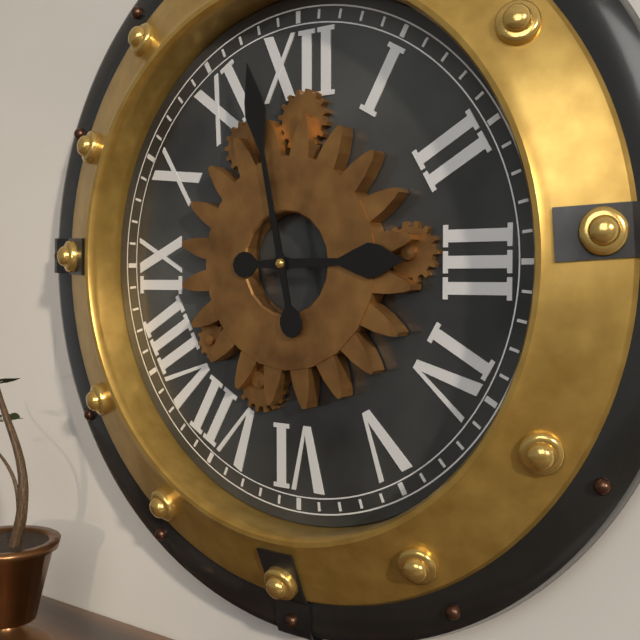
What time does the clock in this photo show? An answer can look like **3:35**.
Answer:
**2:58**
